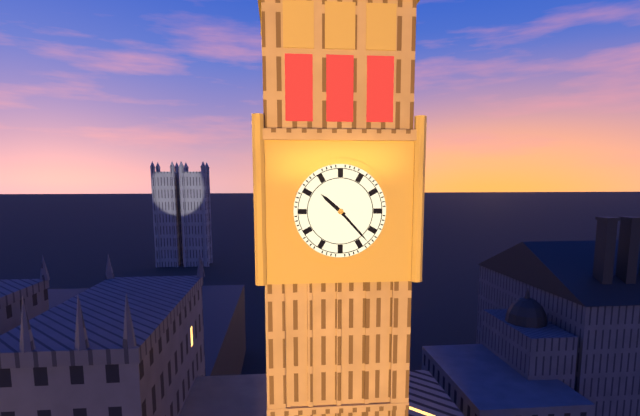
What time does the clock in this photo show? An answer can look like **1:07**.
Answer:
**10:23**
